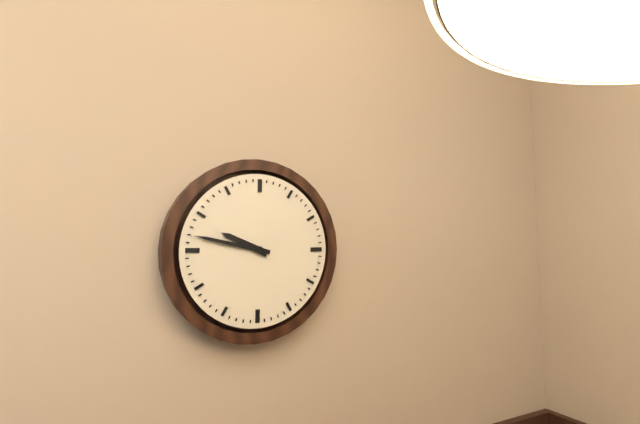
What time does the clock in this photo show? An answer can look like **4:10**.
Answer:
**9:47**
